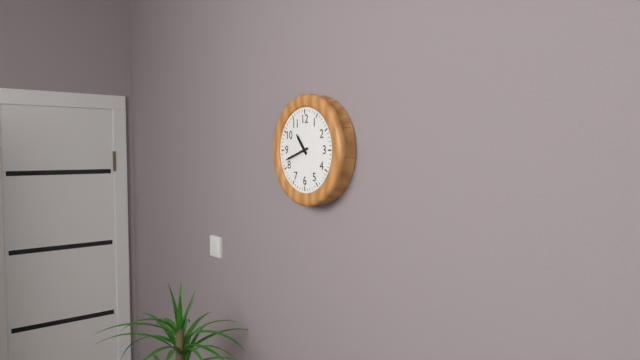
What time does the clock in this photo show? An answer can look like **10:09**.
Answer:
**10:42**
